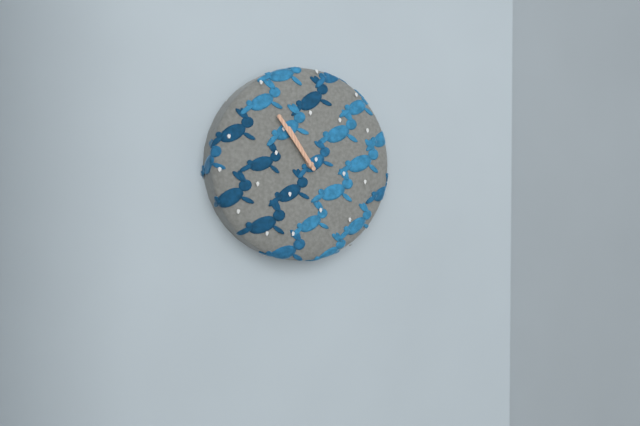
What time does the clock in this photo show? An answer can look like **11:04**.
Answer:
**10:54**
